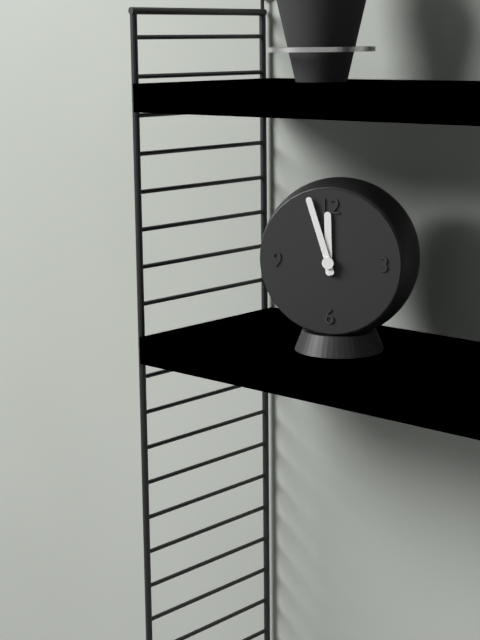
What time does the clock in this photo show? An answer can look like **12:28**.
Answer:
**11:57**
